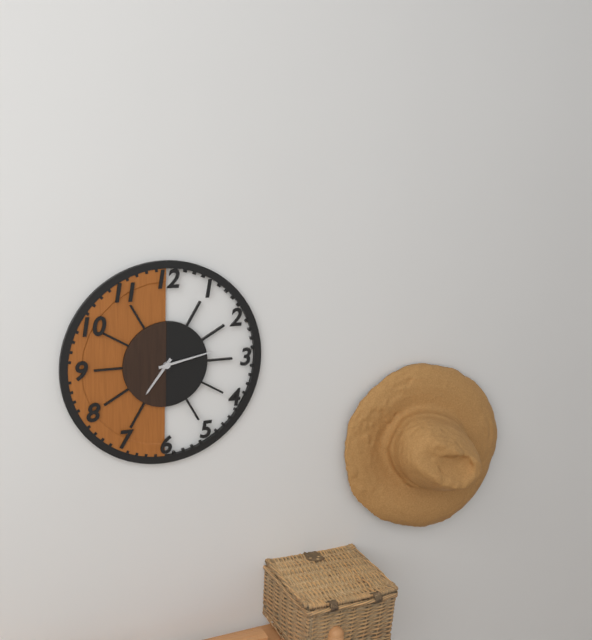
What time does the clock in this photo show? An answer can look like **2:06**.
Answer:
**7:13**
